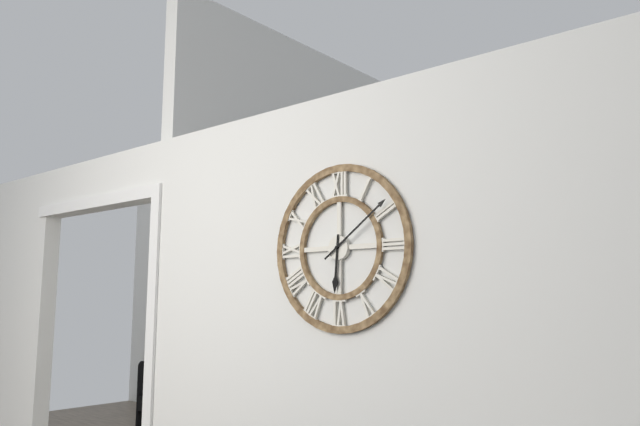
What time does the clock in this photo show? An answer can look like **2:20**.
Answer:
**6:09**
